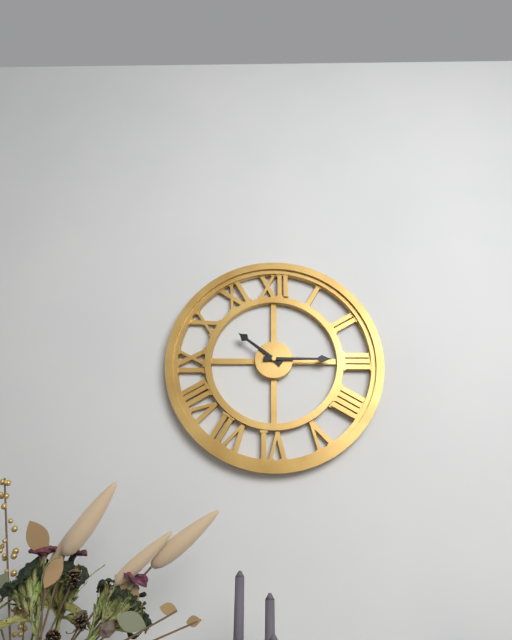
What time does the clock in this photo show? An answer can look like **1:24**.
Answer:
**10:15**
